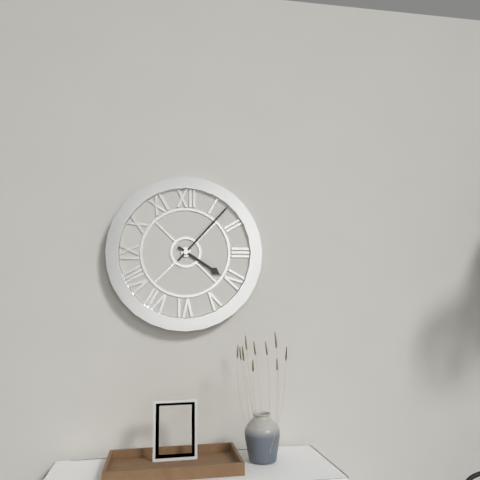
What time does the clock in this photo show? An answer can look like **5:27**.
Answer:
**4:07**
